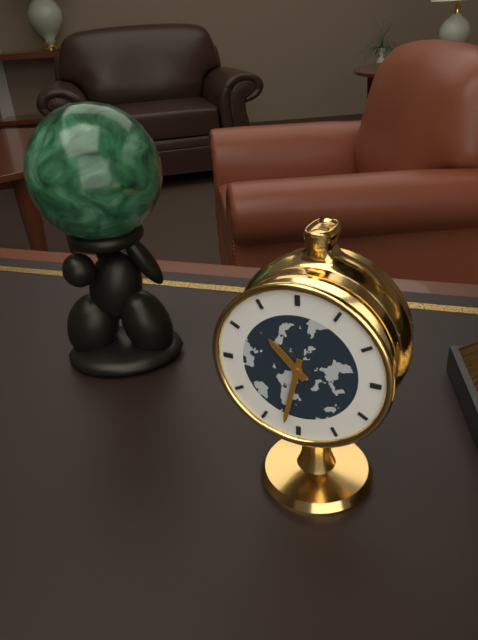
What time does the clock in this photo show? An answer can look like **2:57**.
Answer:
**10:32**
